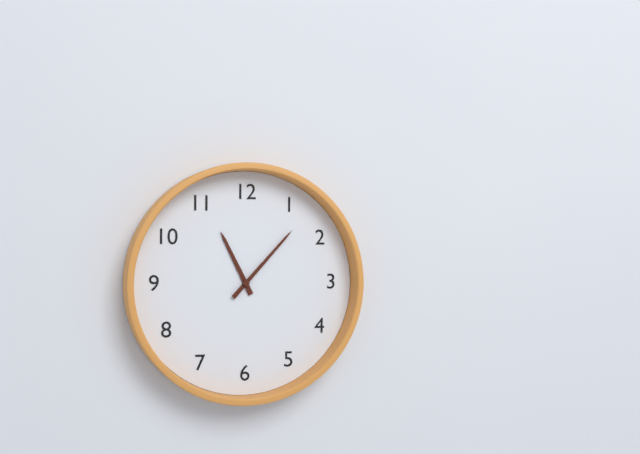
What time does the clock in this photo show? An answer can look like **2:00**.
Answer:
**11:07**
